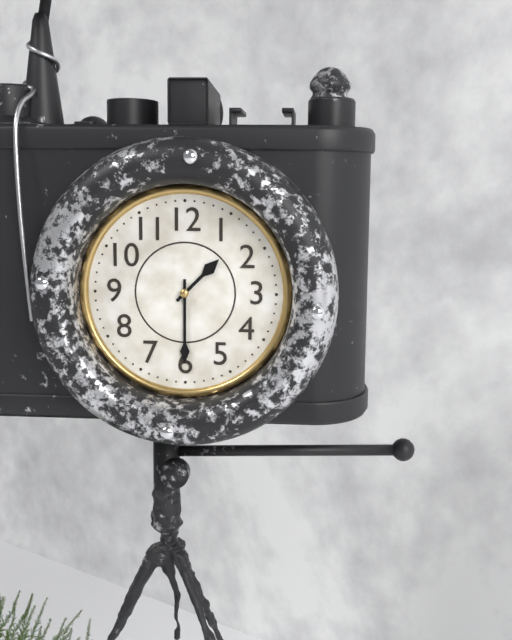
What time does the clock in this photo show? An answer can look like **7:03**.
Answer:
**1:30**
